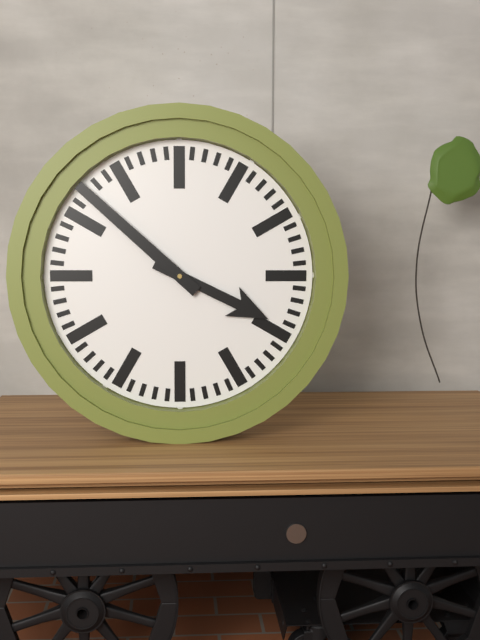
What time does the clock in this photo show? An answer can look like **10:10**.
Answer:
**3:52**
